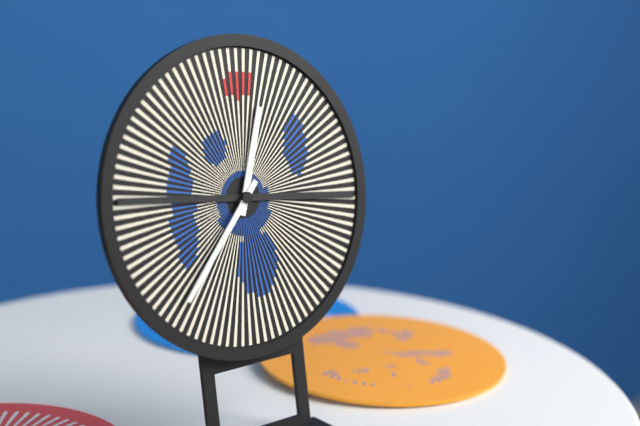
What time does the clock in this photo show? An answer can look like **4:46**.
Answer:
**12:37**
